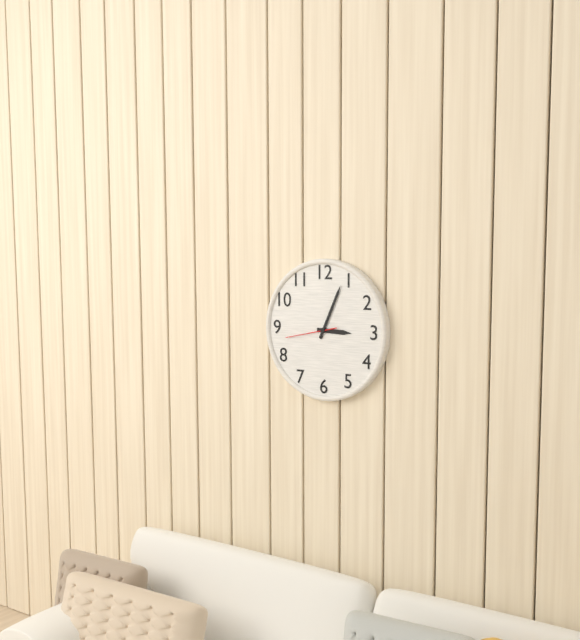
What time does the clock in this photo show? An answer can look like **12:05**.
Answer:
**3:04**
